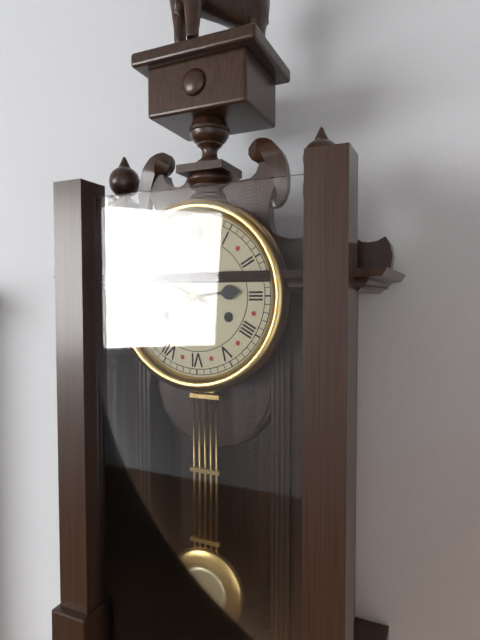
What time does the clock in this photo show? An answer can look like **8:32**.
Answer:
**2:49**
